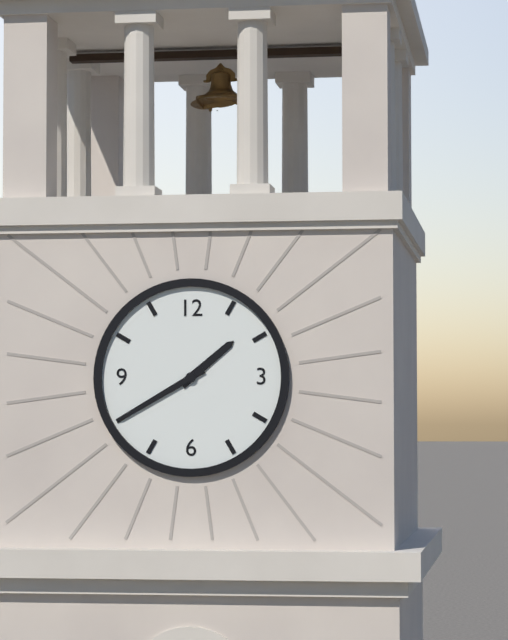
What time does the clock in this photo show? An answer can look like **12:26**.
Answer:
**1:40**
